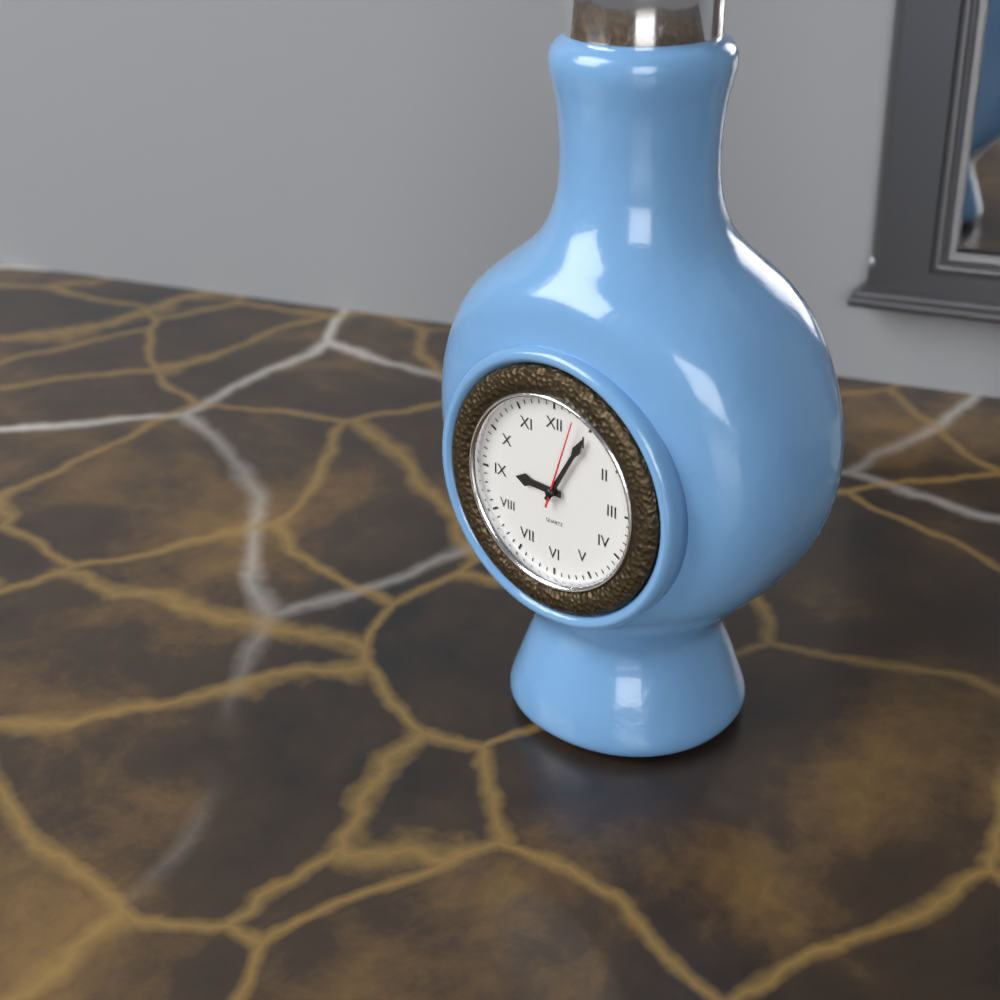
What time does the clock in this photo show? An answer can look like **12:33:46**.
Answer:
**9:05:03**
